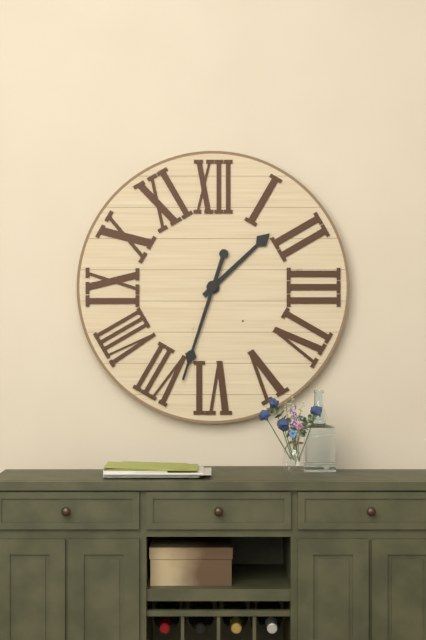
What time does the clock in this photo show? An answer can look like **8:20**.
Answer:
**1:33**
